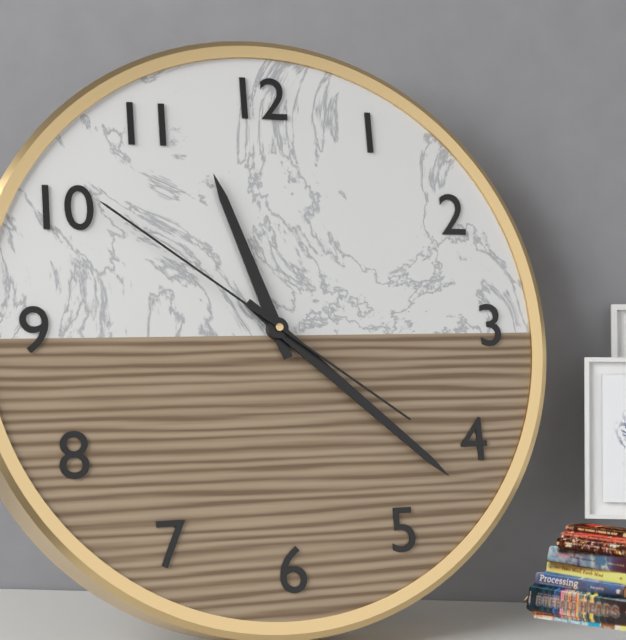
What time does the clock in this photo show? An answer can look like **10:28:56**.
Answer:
**11:22:51**
